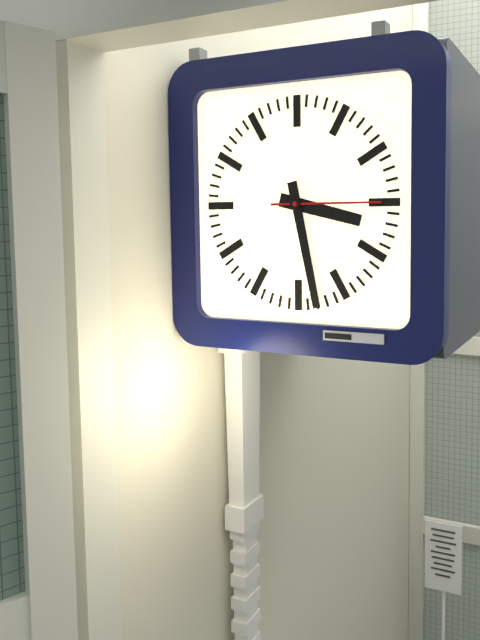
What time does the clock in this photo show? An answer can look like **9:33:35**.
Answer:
**3:28:15**
